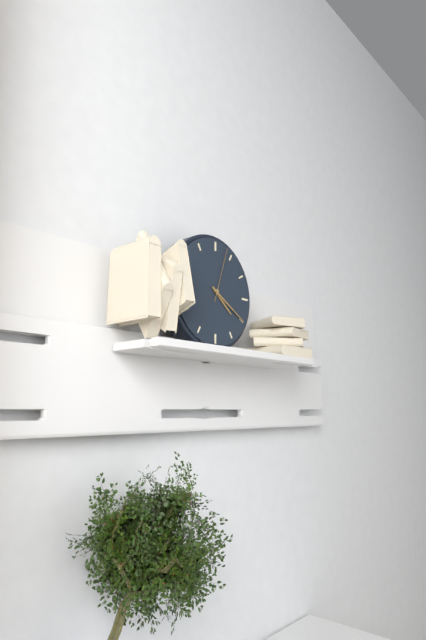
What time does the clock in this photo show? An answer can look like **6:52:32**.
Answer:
**4:20:03**
